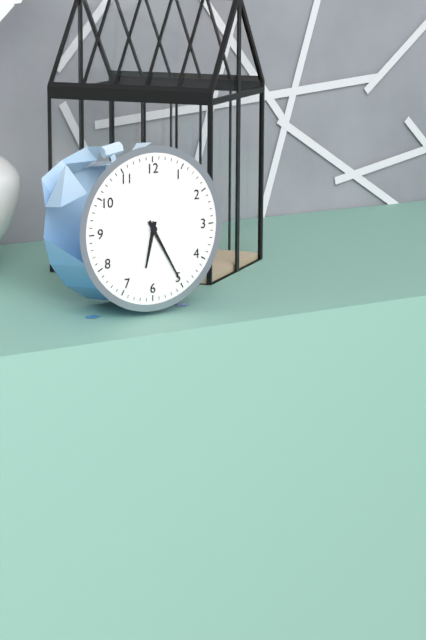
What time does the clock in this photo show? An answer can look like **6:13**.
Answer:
**6:25**
